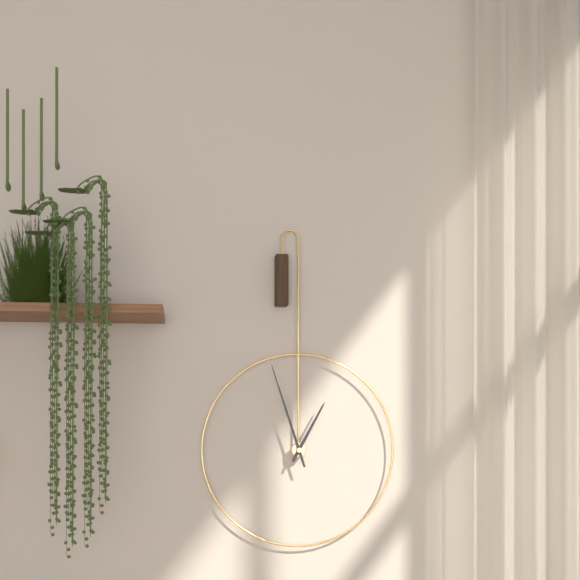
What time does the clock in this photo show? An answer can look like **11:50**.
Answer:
**12:57**
